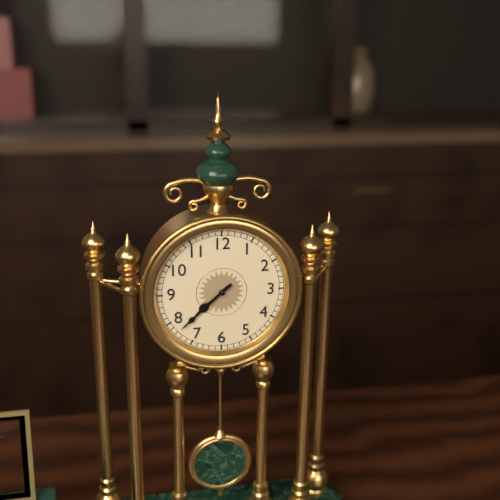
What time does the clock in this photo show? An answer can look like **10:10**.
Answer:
**7:38**
